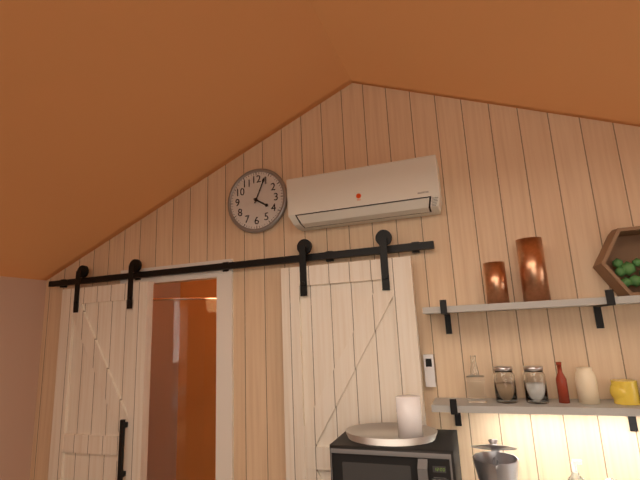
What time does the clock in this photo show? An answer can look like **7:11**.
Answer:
**4:04**
